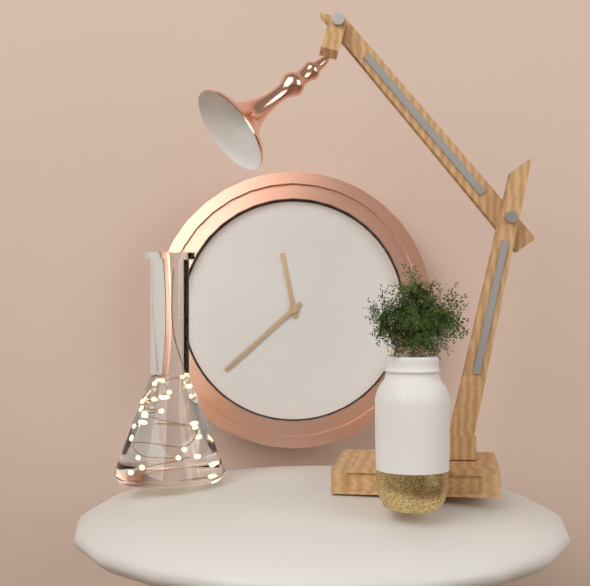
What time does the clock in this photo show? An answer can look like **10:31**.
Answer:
**11:38**
